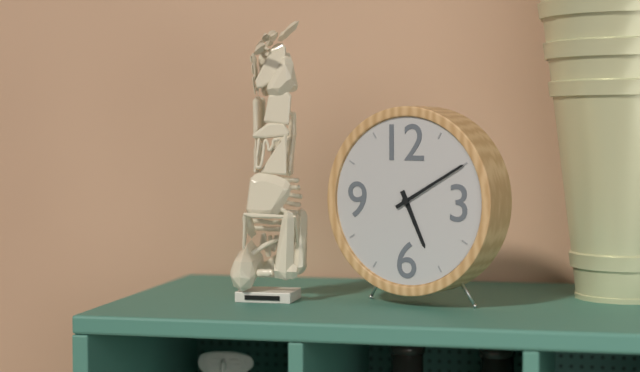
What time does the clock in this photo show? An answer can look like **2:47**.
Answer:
**5:10**
